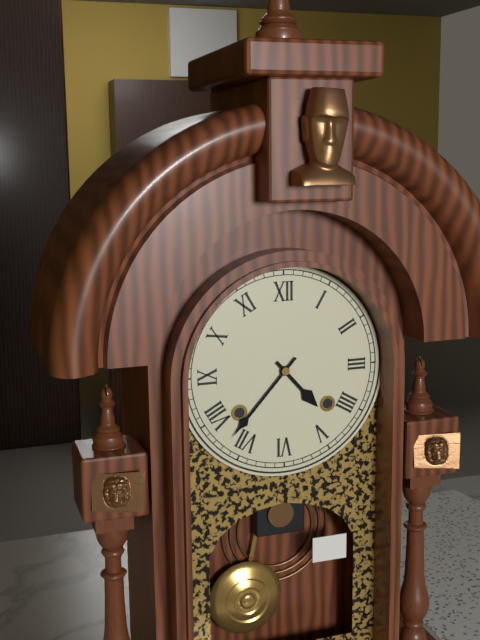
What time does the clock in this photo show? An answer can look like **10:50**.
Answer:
**4:37**
